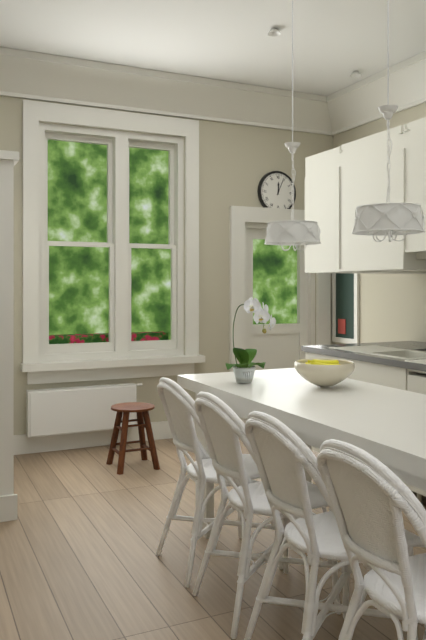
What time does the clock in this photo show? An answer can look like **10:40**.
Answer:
**12:04**
